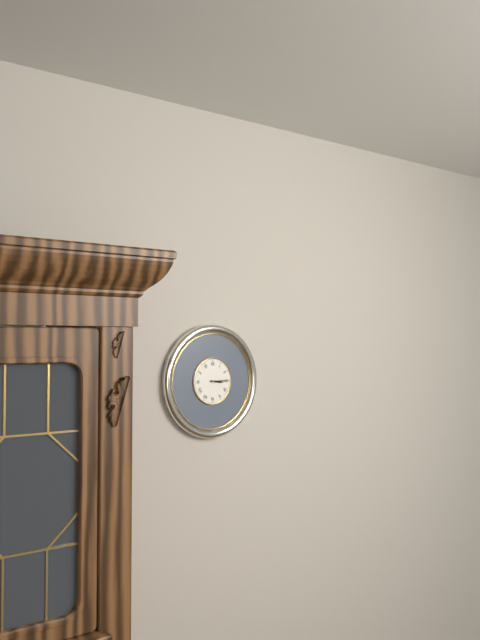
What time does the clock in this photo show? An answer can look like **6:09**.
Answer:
**3:15**
